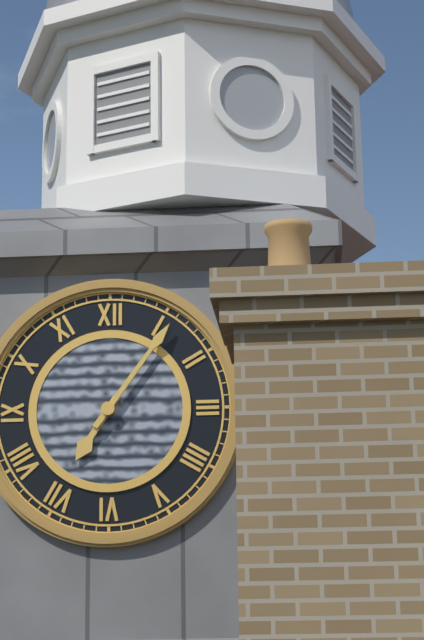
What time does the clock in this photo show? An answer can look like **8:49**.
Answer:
**7:06**
